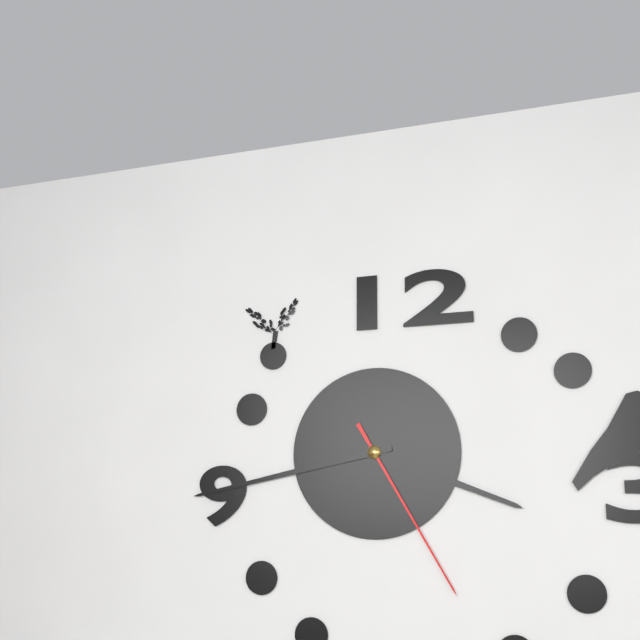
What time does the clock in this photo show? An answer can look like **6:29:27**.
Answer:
**3:43:25**
